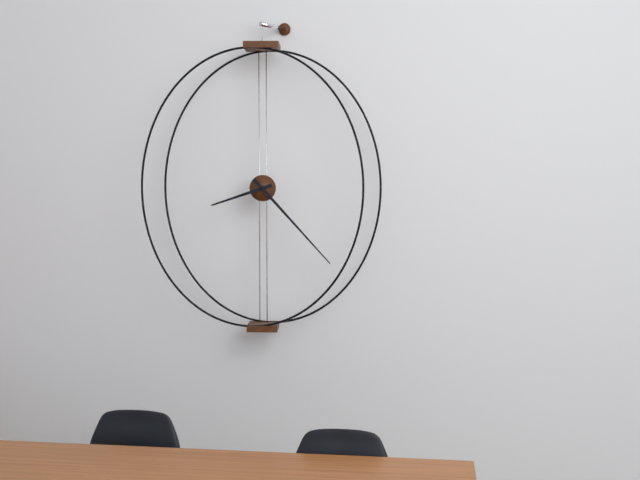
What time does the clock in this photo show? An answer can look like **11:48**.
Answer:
**8:23**
